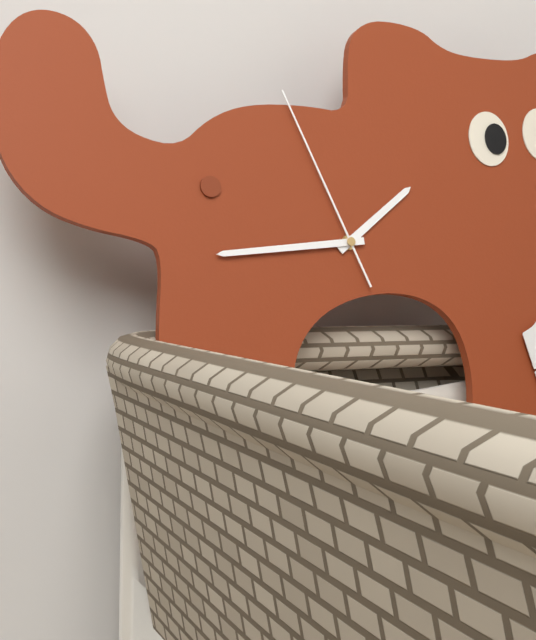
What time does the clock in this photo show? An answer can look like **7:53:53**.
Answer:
**1:44:56**
